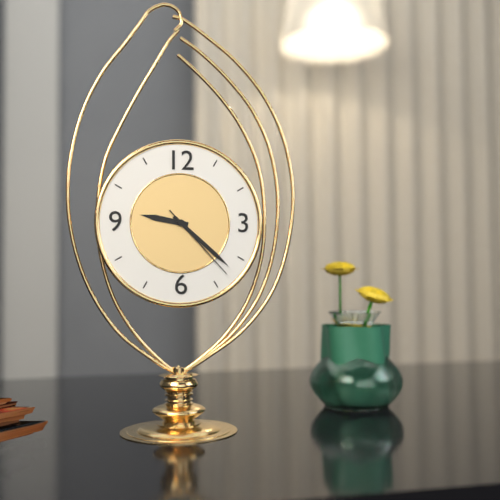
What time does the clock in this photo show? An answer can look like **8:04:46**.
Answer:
**9:22:23**
